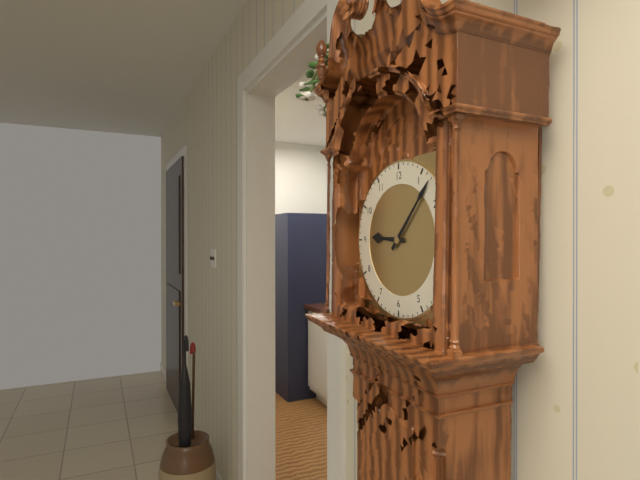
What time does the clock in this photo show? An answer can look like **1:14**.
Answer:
**9:07**
